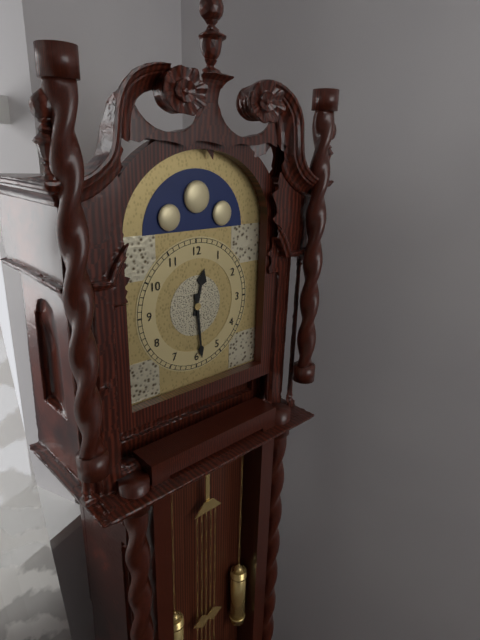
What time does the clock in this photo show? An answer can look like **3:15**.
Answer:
**12:29**
